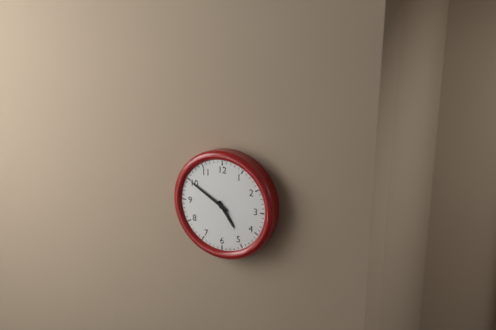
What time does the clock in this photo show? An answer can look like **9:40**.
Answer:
**4:50**
